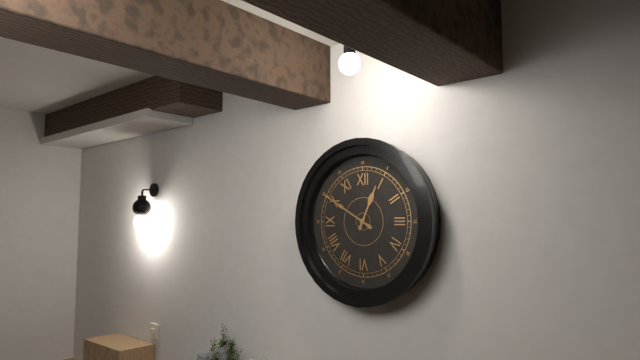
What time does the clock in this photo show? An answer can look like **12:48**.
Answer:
**12:50**
